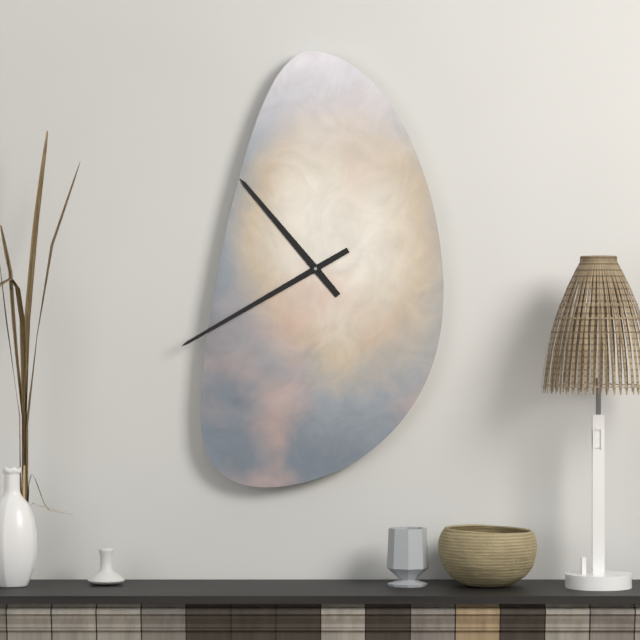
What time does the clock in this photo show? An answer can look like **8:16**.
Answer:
**10:40**
